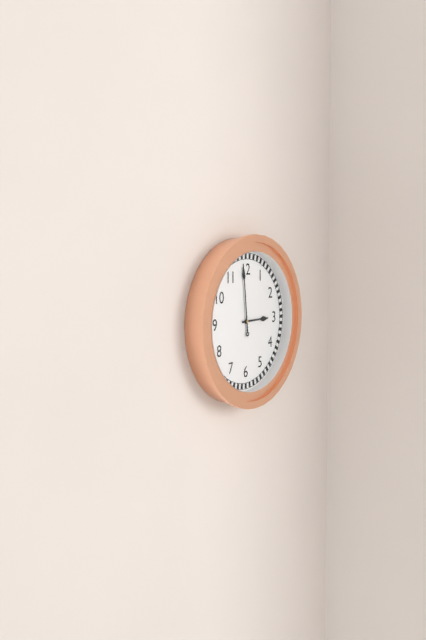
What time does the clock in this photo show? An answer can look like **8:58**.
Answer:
**2:59**
